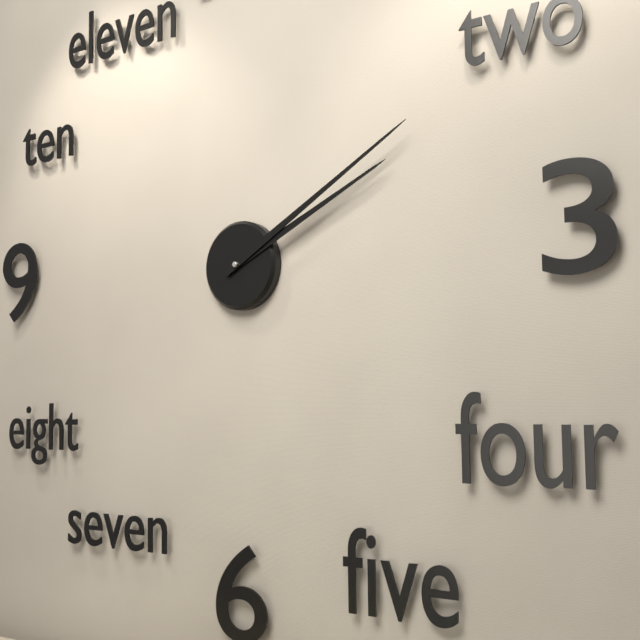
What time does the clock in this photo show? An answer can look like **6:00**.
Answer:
**2:10**
